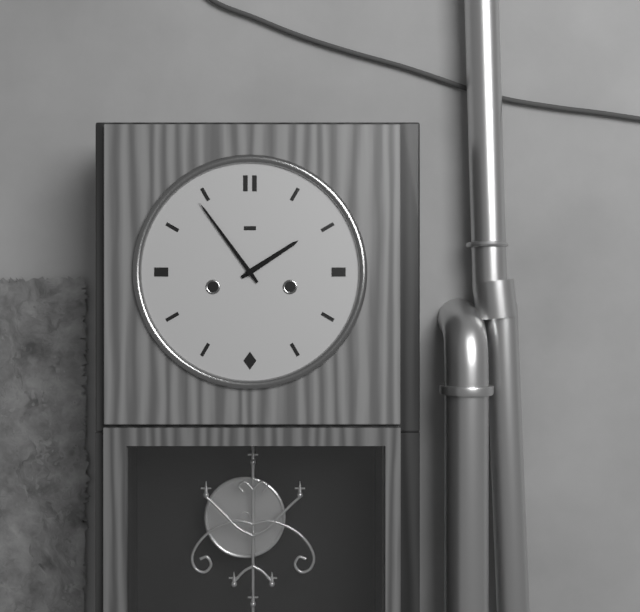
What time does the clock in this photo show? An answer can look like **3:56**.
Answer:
**1:54**
